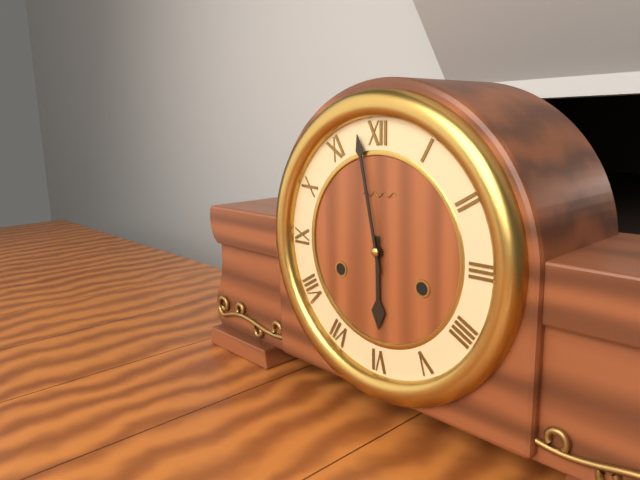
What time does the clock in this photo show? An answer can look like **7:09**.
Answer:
**5:58**
